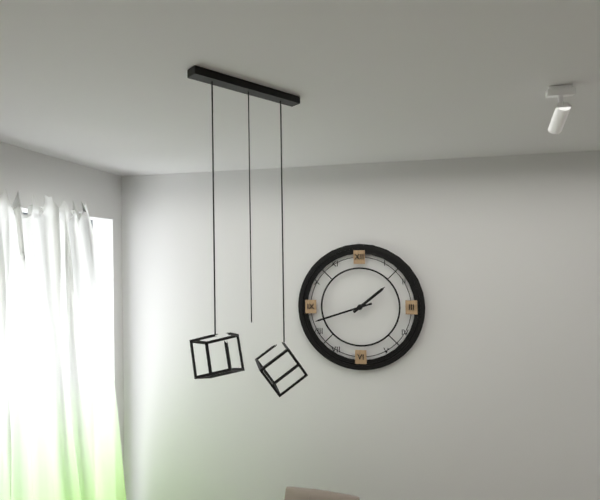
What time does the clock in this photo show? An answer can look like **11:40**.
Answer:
**1:42**
